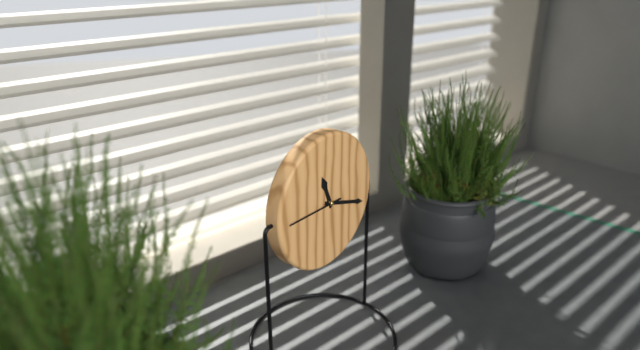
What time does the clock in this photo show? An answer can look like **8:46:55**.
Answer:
**11:18:45**
